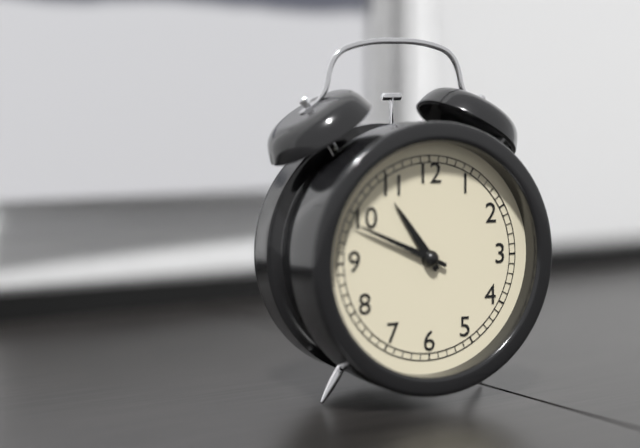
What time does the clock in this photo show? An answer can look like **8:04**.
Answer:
**10:49**
